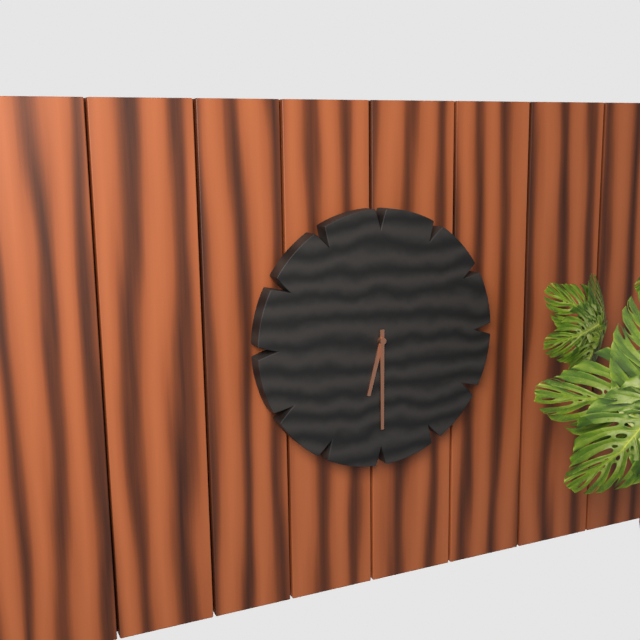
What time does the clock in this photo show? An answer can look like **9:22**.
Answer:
**6:30**
